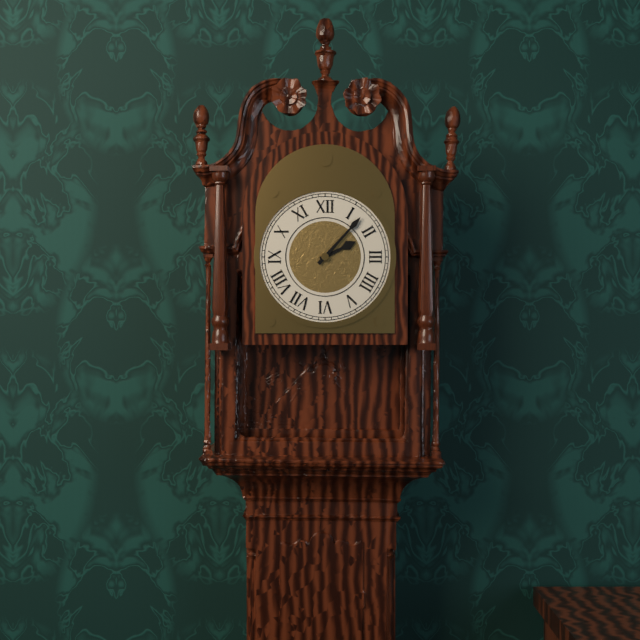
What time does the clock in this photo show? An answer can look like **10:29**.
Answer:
**2:07**
